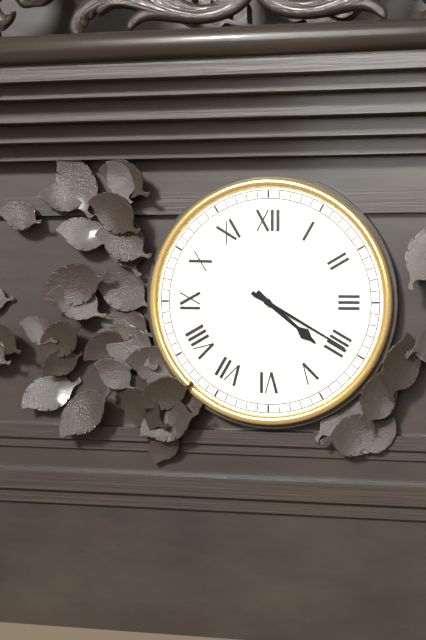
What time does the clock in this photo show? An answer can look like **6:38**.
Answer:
**4:20**
